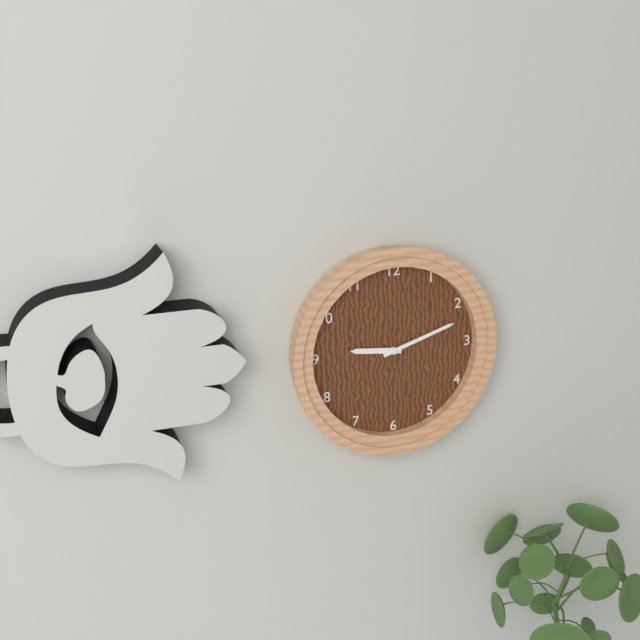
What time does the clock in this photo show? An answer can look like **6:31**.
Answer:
**9:12**
